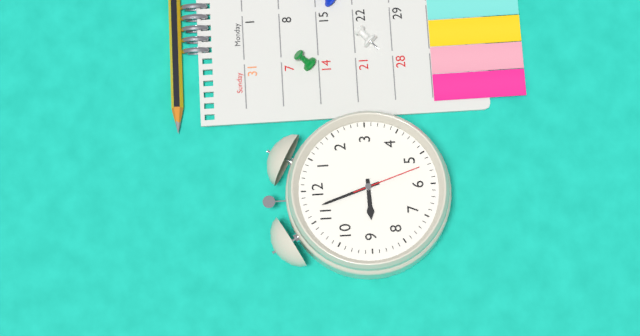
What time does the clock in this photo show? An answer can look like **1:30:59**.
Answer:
**8:57:27**
